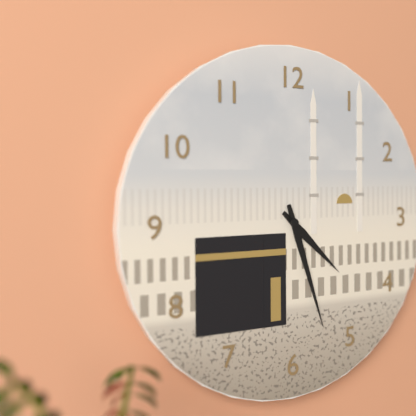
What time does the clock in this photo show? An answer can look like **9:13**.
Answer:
**4:27**
